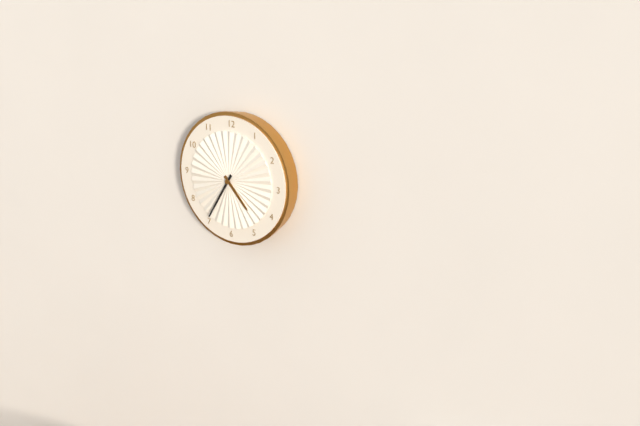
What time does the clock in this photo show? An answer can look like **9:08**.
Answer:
**4:35**
